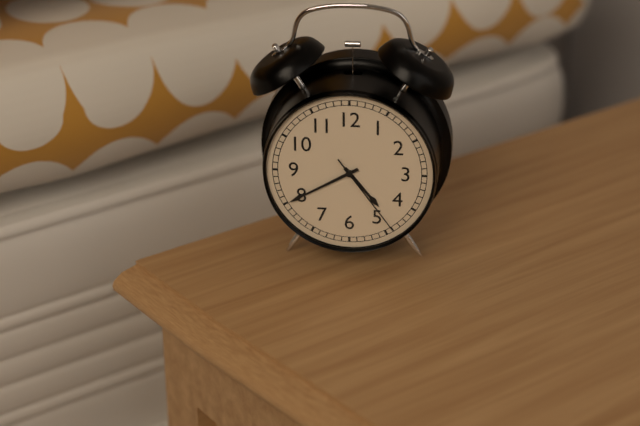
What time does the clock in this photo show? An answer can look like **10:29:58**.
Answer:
**4:40:24**
